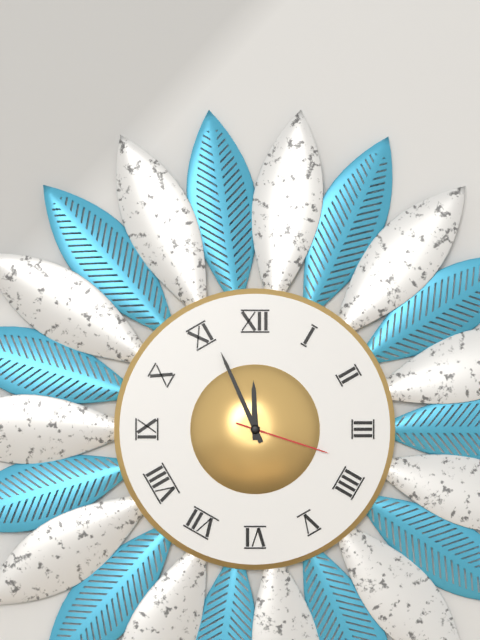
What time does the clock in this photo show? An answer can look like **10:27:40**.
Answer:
**11:56:18**
